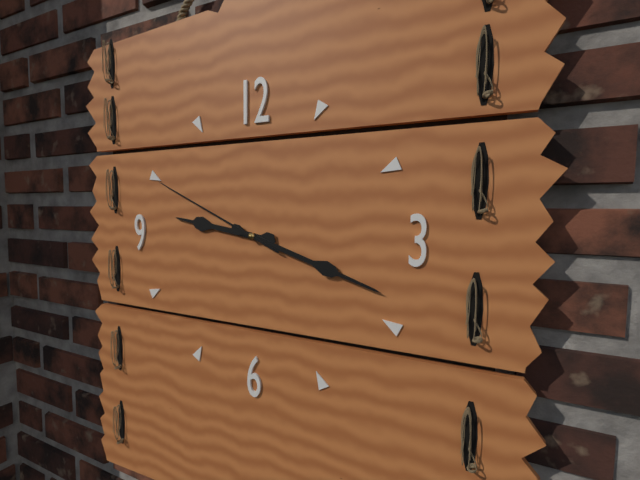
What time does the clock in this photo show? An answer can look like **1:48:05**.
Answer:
**9:18:49**
